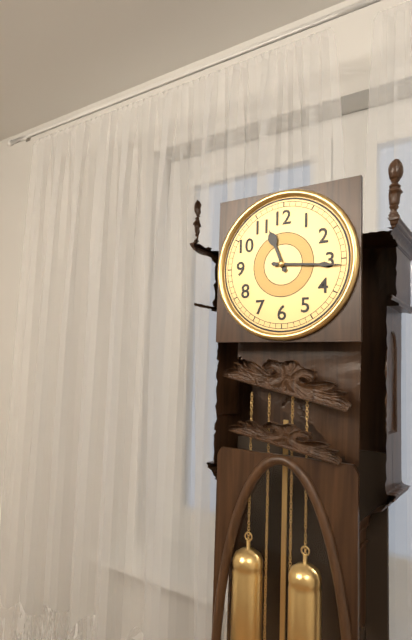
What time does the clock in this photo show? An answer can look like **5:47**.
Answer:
**11:16**
